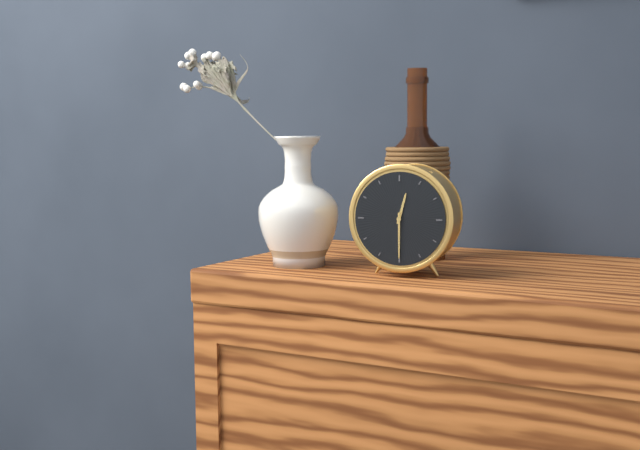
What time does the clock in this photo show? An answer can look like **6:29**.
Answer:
**12:30**
